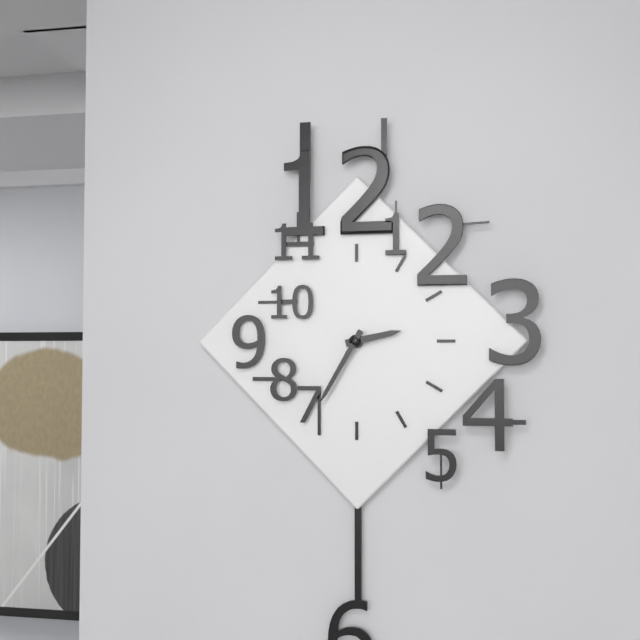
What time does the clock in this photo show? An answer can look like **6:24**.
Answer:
**2:35**
